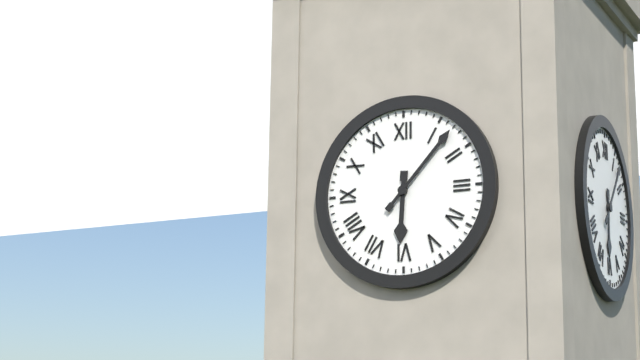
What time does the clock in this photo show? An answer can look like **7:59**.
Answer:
**6:07**
